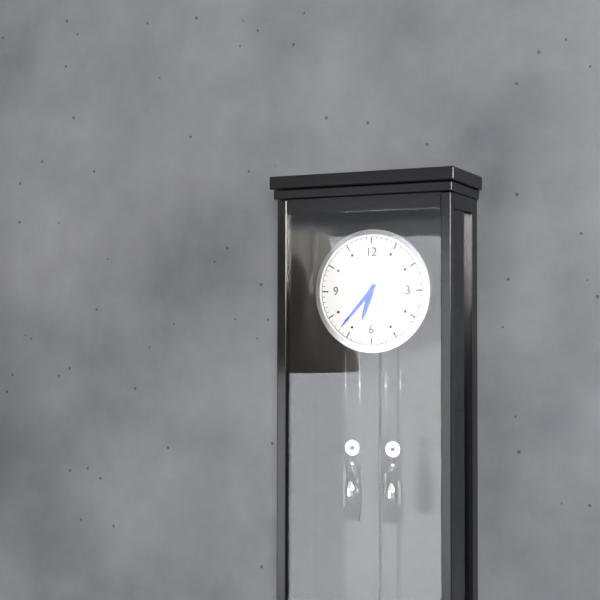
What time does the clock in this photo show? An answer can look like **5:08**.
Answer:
**6:37**
